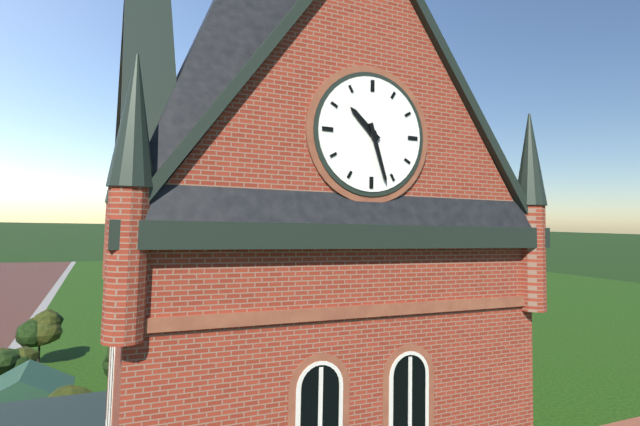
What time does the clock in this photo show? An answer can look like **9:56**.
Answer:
**10:27**
